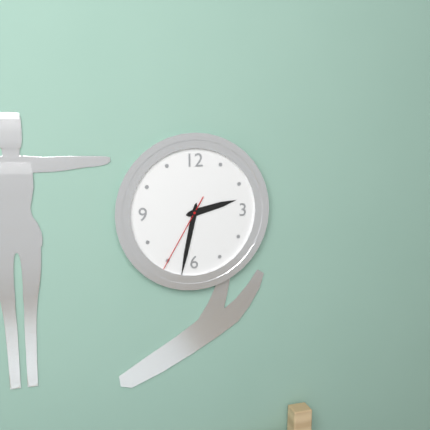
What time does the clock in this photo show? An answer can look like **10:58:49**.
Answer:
**2:32:35**
